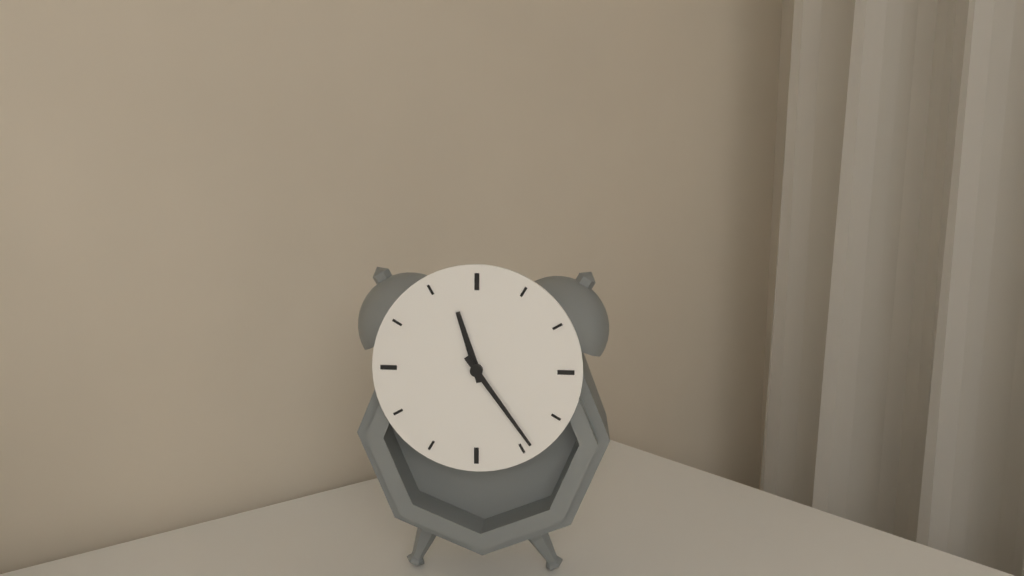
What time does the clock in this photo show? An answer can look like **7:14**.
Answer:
**11:24**
